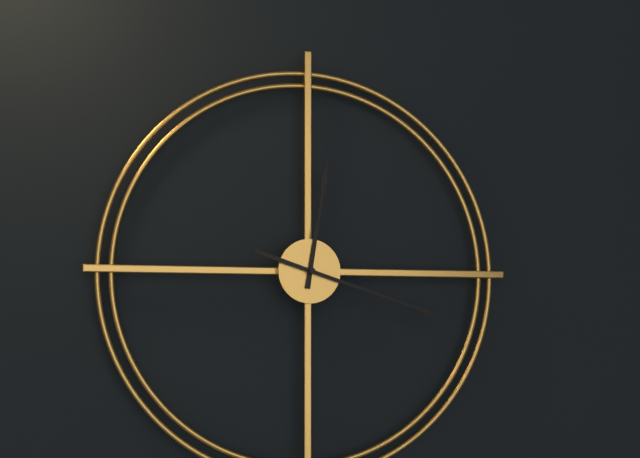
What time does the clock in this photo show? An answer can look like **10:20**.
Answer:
**12:18**
